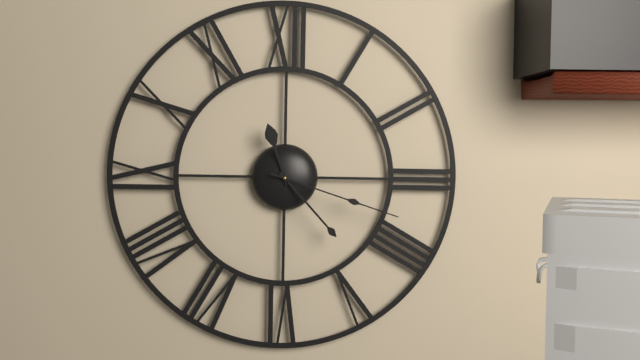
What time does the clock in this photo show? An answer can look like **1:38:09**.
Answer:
**11:23:18**
